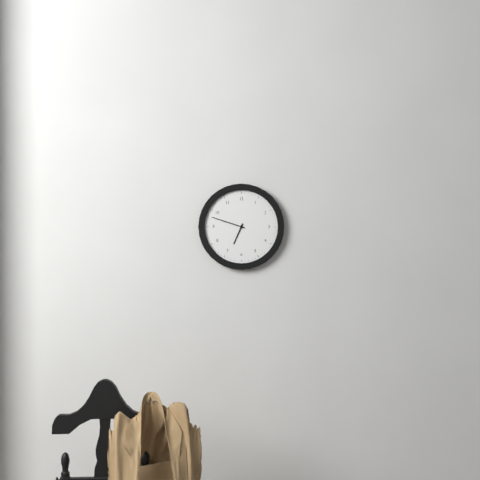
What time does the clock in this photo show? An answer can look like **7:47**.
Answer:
**6:48**
